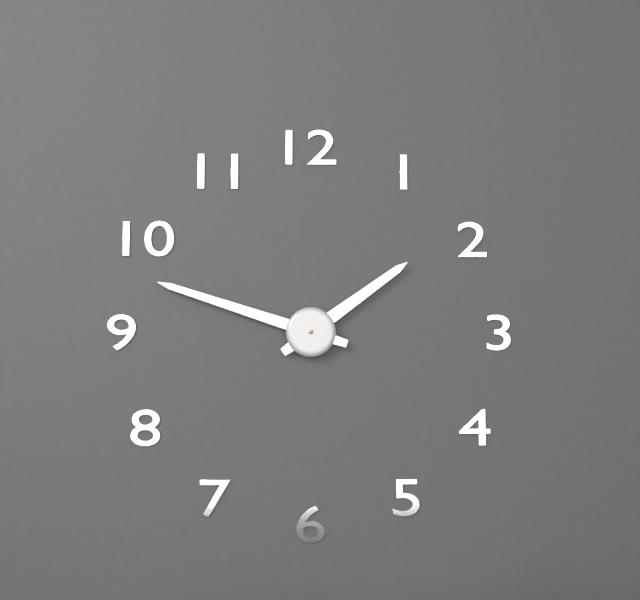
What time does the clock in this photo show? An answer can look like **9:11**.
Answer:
**1:48**
